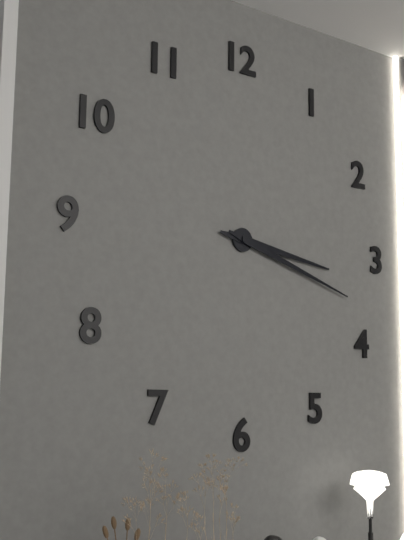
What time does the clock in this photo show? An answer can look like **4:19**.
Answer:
**3:18**
